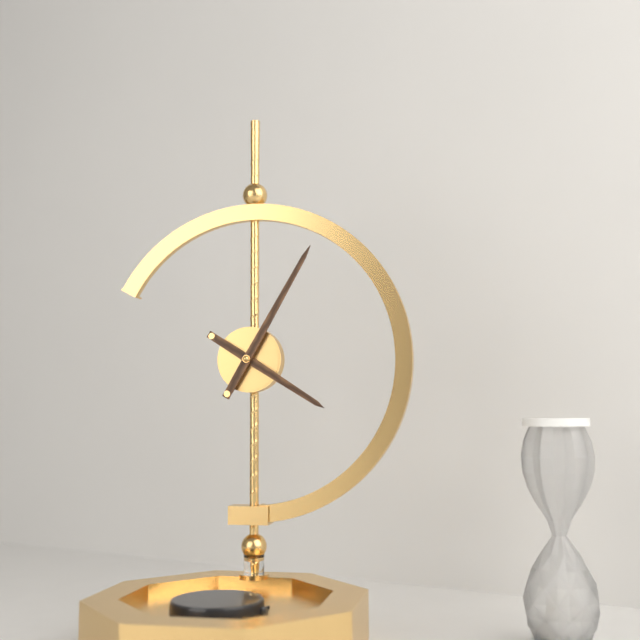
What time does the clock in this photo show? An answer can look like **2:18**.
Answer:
**4:05**
